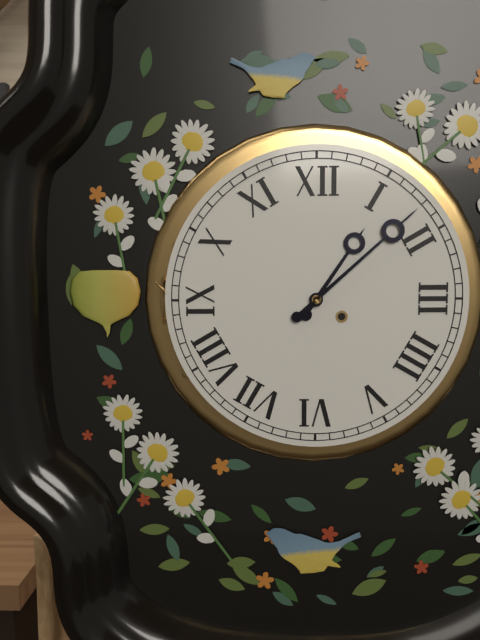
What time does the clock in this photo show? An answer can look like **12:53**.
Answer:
**1:08**
